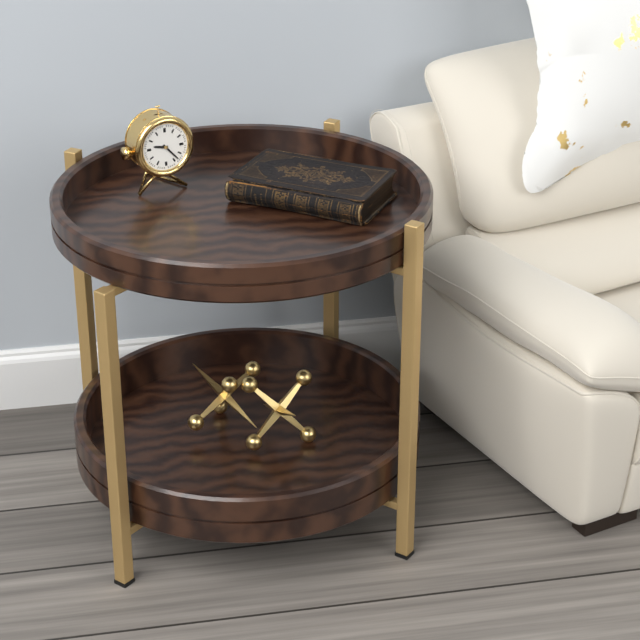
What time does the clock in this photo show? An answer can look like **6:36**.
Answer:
**9:23**
